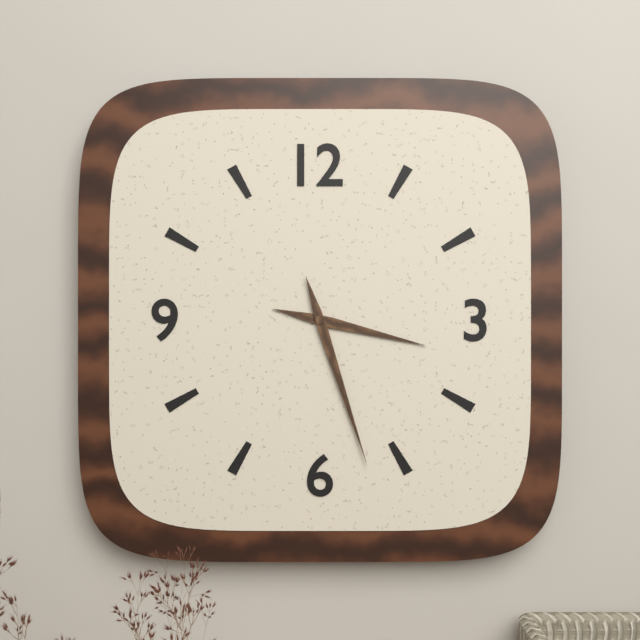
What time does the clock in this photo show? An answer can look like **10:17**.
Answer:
**3:27**
